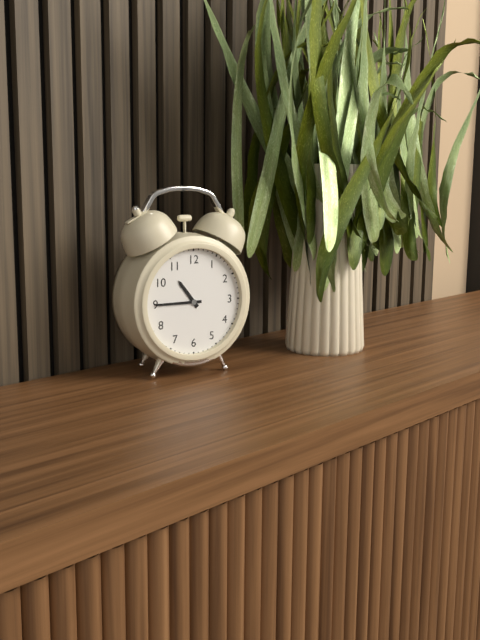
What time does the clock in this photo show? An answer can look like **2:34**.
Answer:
**10:45**
